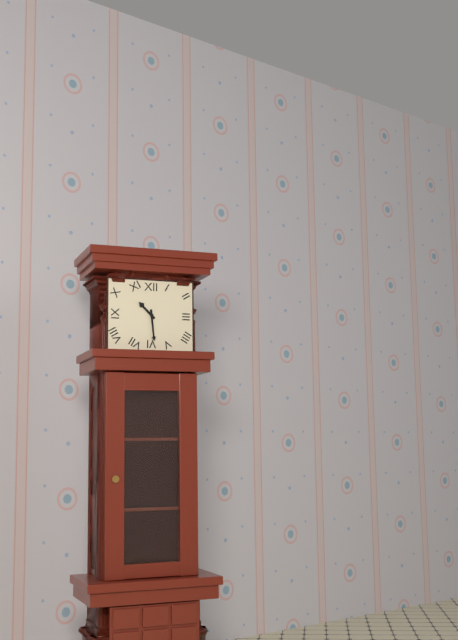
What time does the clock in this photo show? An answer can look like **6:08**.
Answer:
**10:29**
